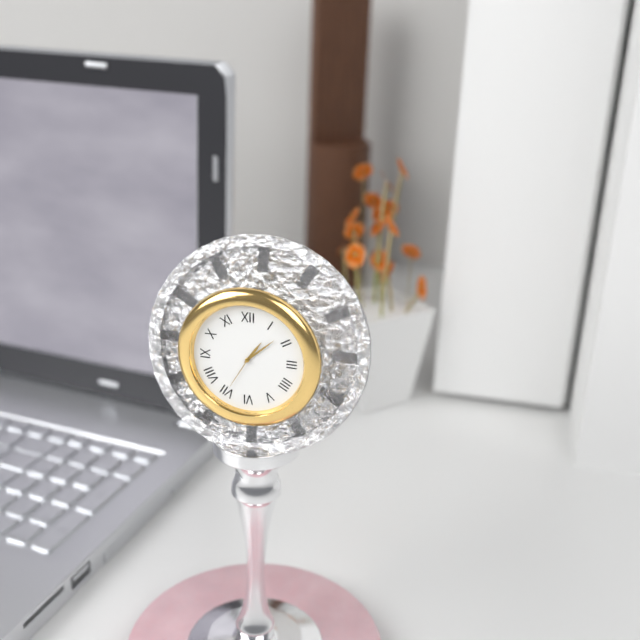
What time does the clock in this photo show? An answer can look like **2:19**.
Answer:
**1:08**
